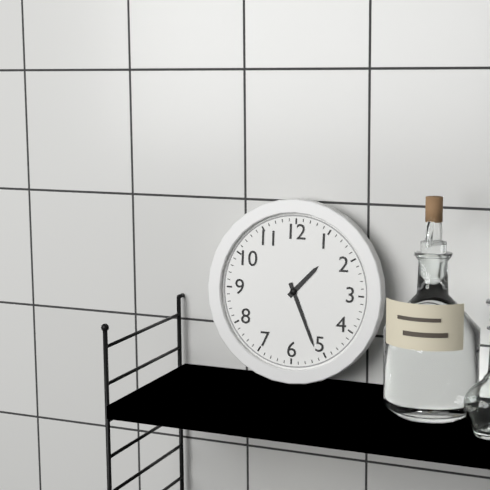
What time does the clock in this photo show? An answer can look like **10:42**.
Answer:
**1:26**
